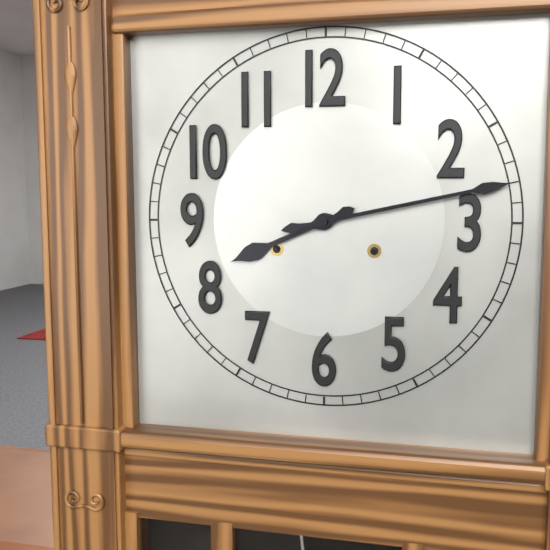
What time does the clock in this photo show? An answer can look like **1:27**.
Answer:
**8:13**
